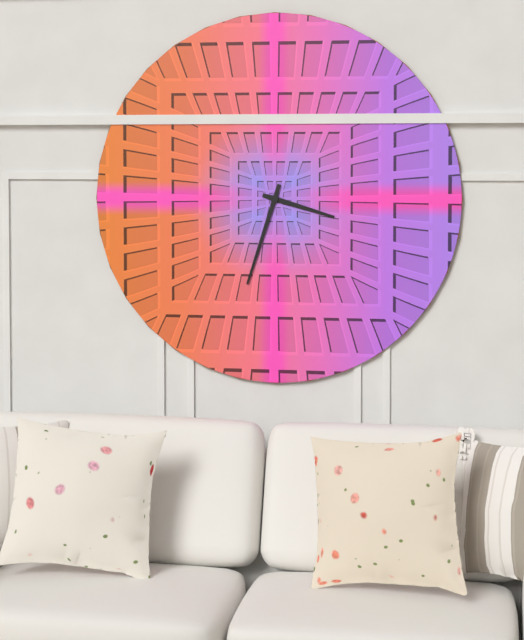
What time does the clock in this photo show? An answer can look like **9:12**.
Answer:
**3:33**
